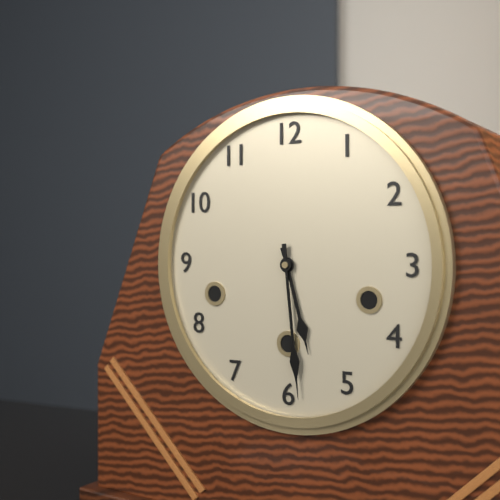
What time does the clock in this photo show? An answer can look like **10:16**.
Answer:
**5:29**
